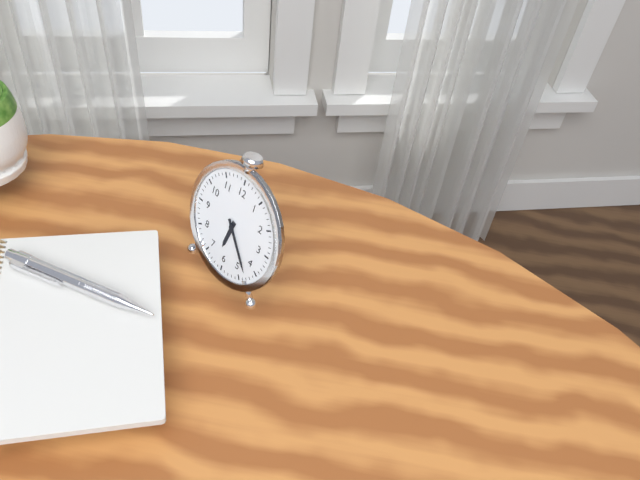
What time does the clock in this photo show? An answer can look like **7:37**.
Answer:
**6:23**
